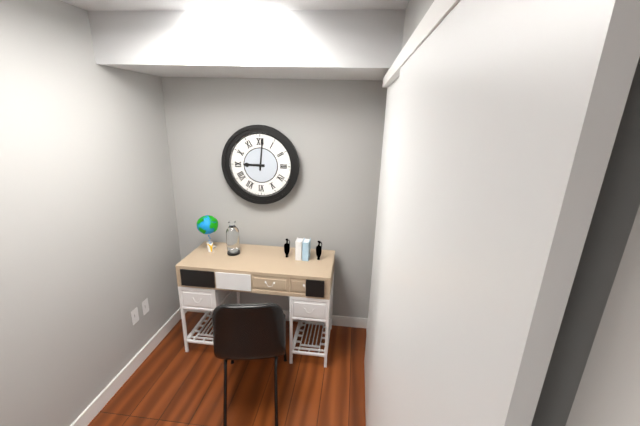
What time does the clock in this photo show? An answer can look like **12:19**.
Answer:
**9:01**
